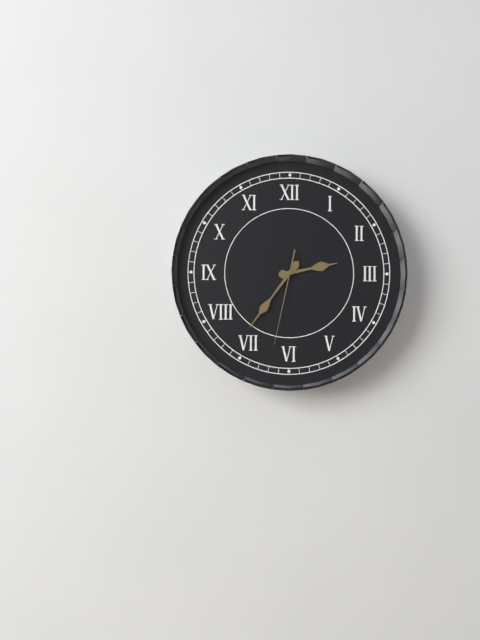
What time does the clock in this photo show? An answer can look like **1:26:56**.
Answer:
**2:36:32**
